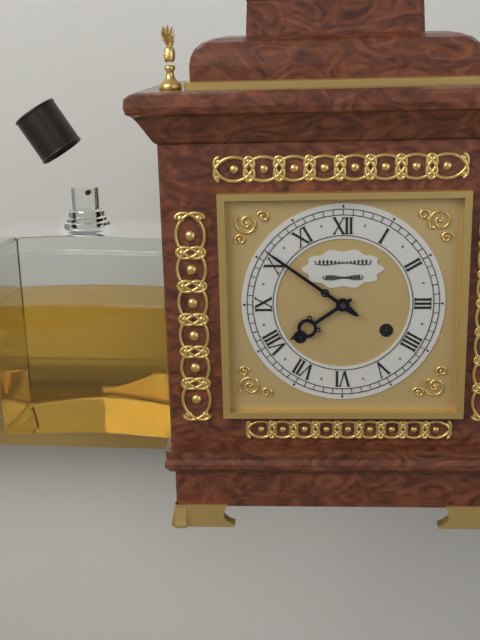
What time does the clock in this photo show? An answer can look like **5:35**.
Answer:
**7:51**
